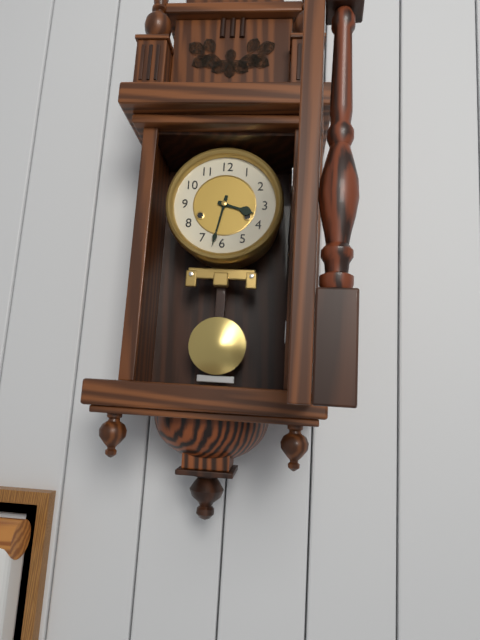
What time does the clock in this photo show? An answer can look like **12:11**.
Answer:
**3:32**
